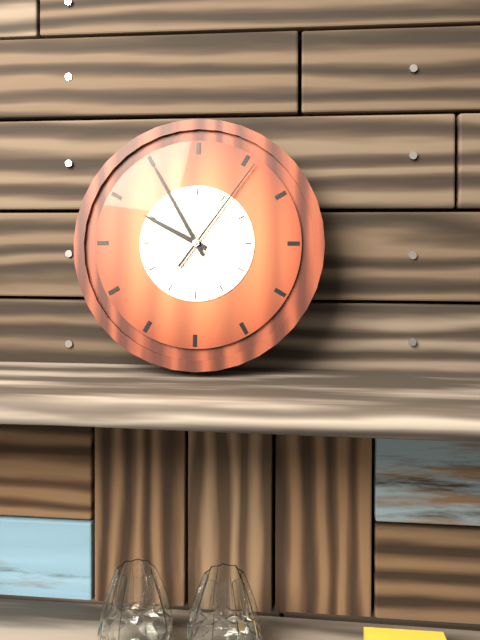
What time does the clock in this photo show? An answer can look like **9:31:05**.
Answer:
**9:55:06**
